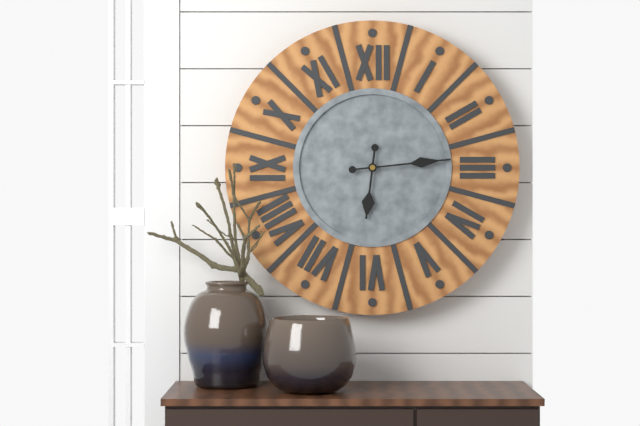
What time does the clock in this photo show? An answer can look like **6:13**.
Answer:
**6:14**
